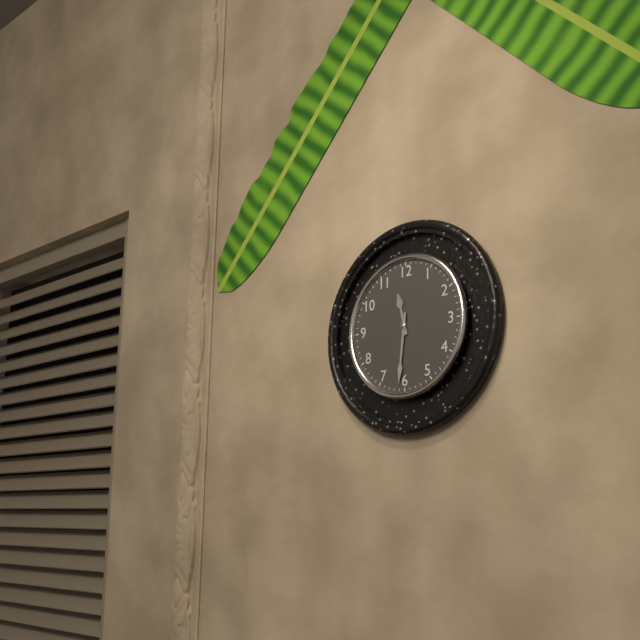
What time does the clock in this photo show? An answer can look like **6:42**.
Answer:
**11:31**
